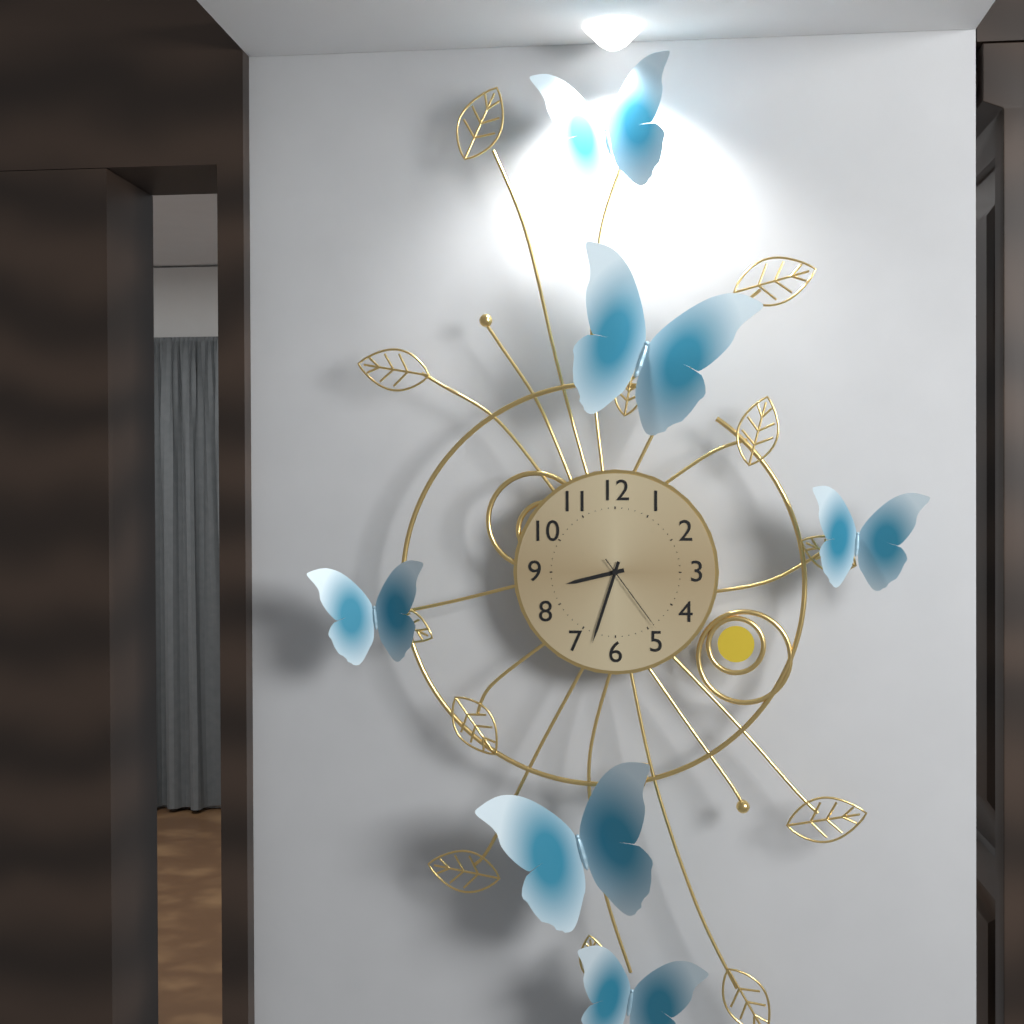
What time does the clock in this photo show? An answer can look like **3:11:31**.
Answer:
**8:33:24**
